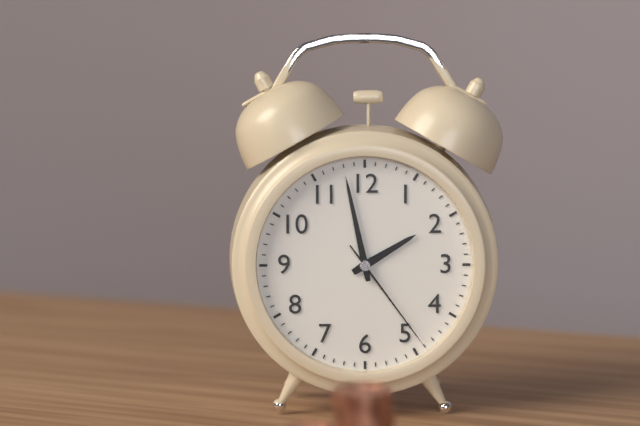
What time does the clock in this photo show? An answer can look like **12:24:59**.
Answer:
**1:58:24**
